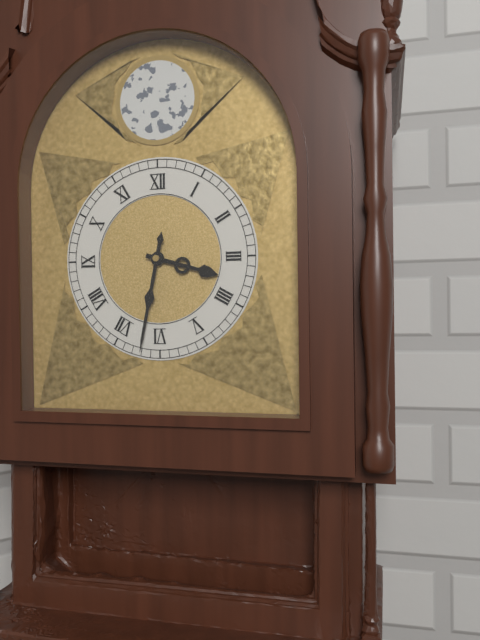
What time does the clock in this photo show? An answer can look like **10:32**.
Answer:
**3:32**
